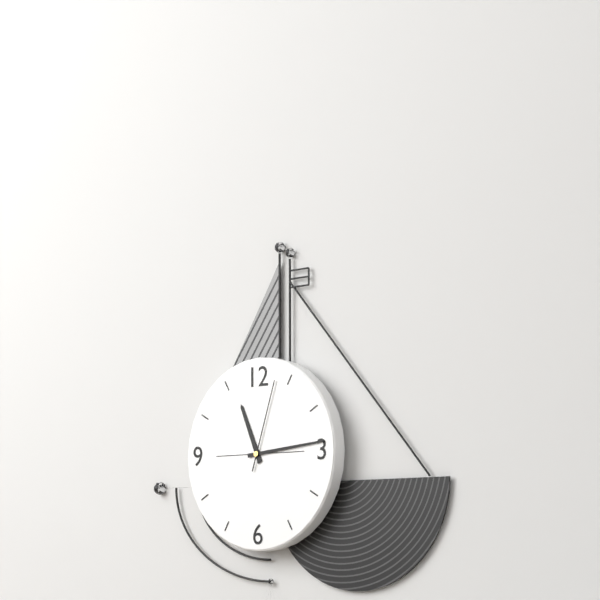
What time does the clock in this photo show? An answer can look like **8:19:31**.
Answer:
**11:14:03**
